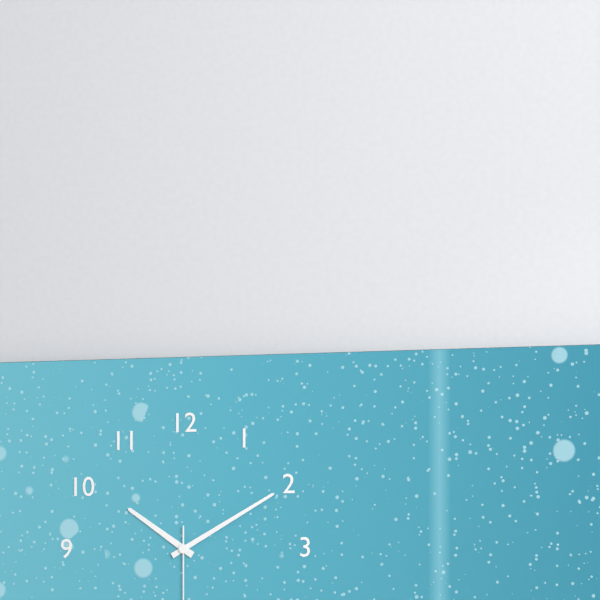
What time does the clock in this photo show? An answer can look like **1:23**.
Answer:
**10:10**
